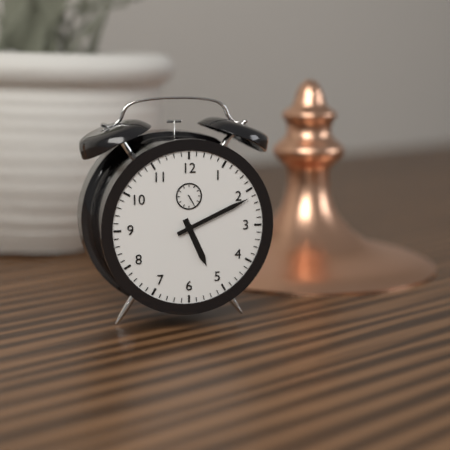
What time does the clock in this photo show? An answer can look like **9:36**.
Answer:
**5:11**
